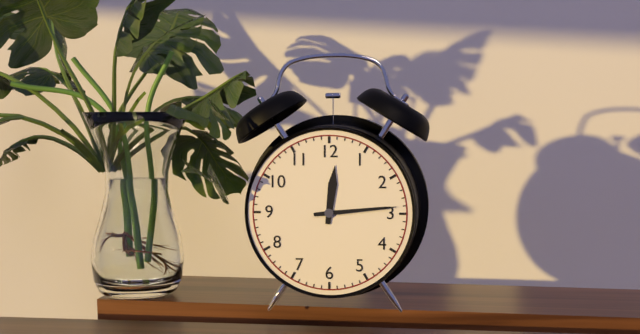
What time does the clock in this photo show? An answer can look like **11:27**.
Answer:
**12:14**
